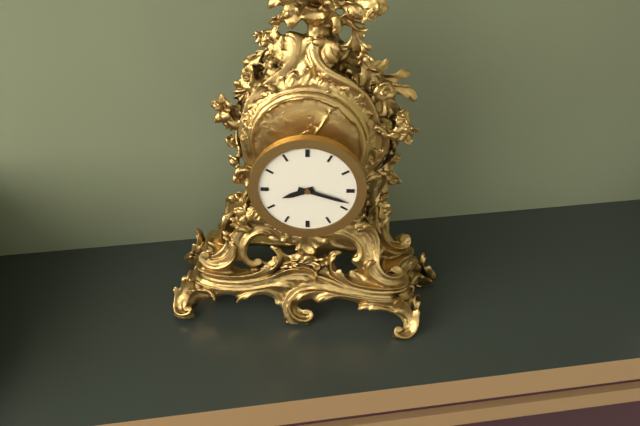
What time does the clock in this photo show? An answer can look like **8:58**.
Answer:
**8:18**
